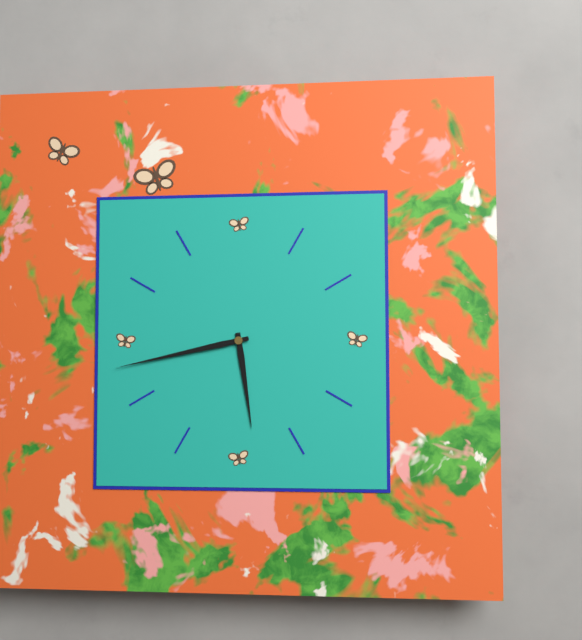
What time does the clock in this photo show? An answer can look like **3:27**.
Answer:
**5:43**
